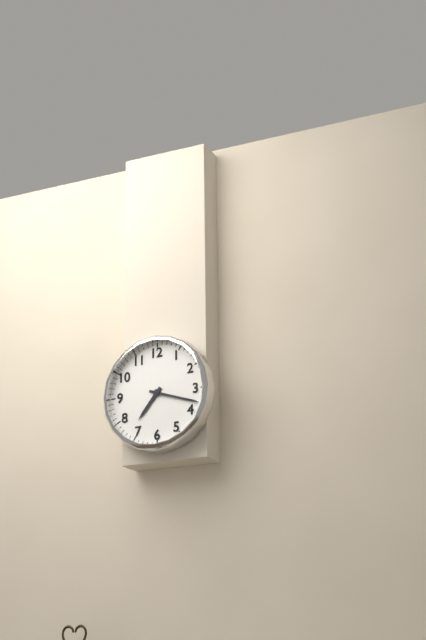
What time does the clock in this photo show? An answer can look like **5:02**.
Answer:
**7:18**
